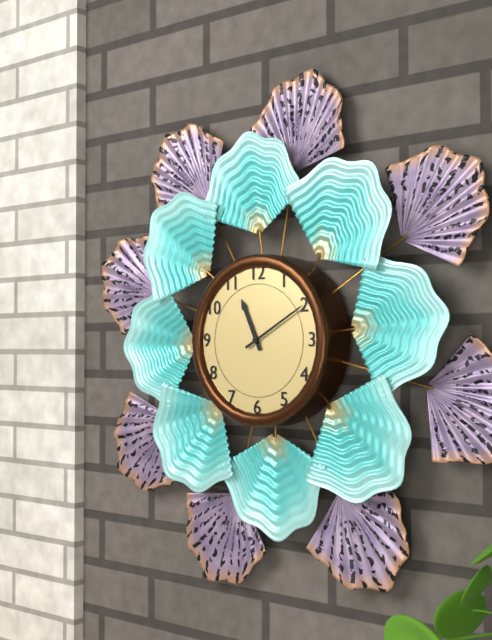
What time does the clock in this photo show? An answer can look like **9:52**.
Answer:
**11:10**
